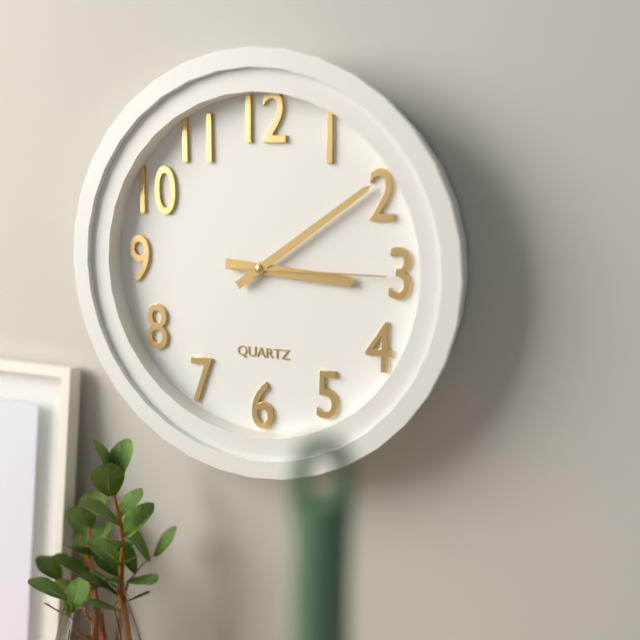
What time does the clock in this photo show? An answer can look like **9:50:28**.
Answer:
**3:09:15**
